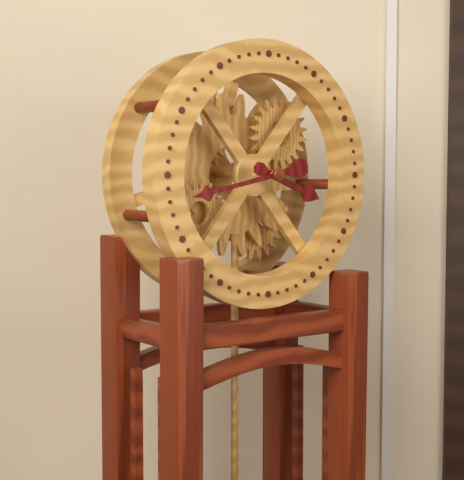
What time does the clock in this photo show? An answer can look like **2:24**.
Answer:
**3:43**
